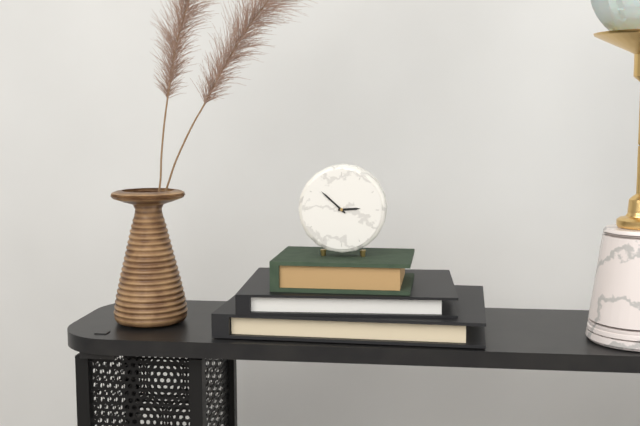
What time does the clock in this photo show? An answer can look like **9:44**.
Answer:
**2:52**
